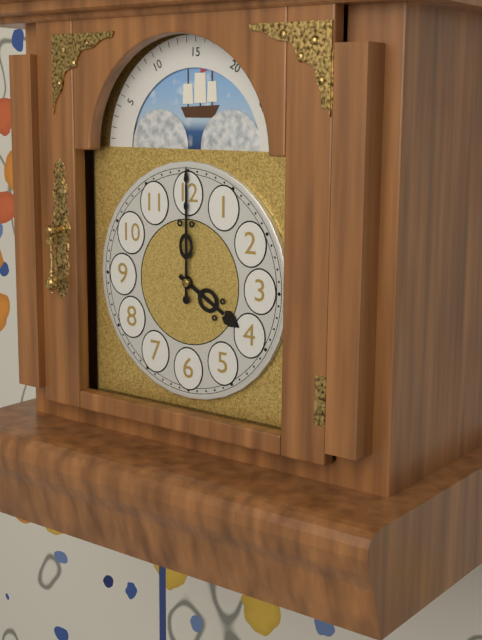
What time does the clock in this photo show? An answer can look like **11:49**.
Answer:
**4:00**
